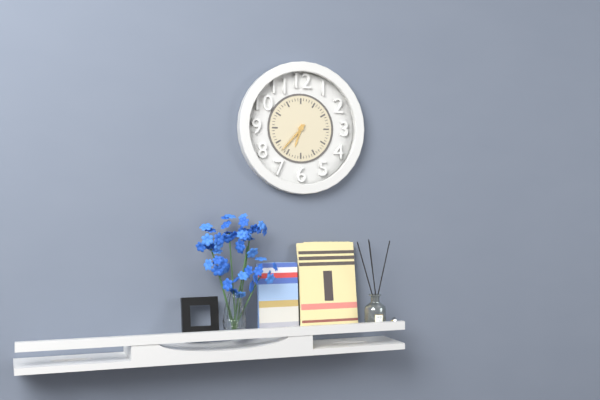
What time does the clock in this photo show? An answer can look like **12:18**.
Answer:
**6:37**
